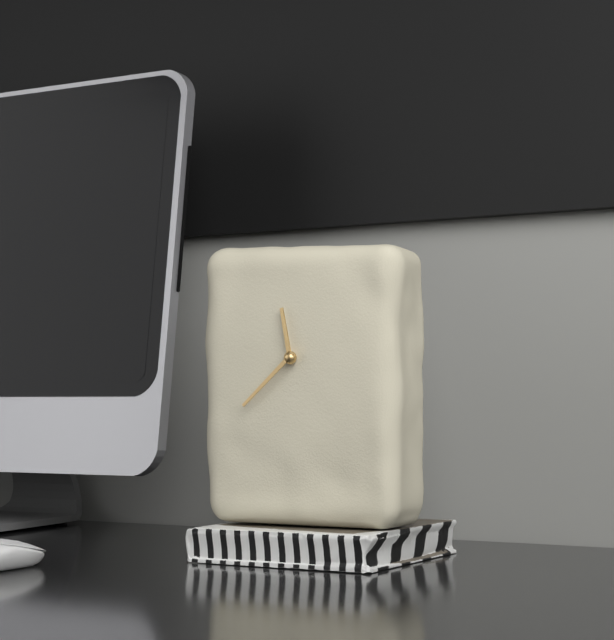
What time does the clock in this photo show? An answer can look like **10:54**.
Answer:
**11:38**
